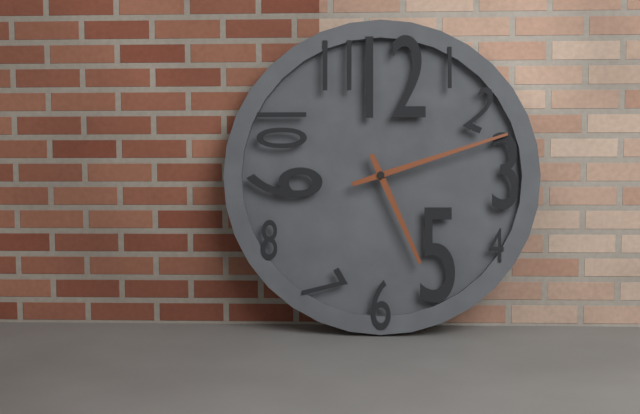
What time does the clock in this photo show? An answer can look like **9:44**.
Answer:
**5:12**
